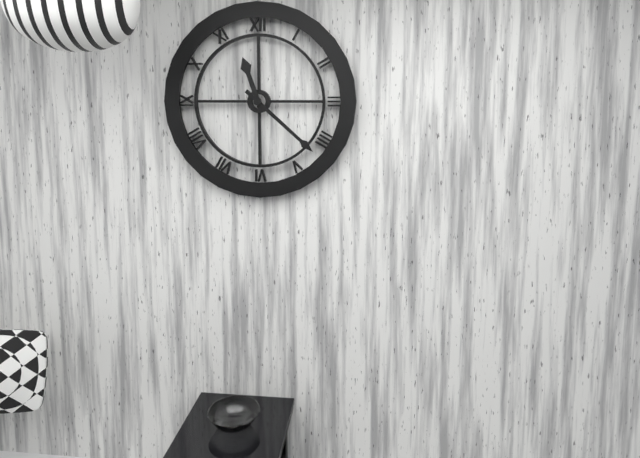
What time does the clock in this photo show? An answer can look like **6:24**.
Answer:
**11:22**
